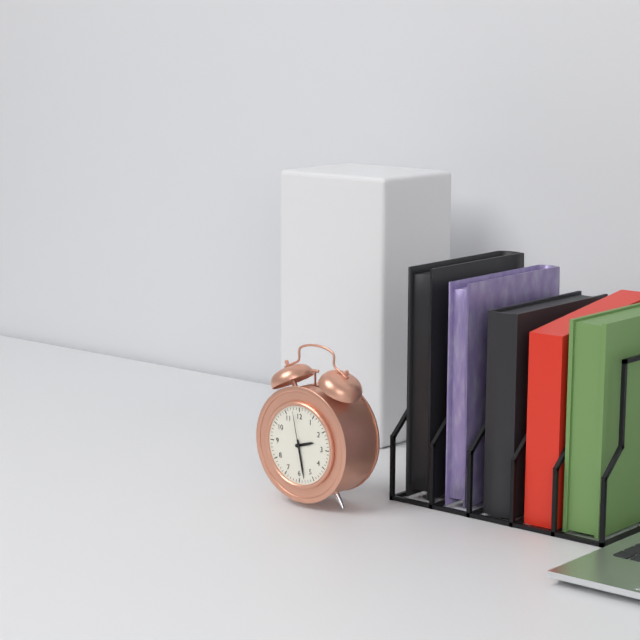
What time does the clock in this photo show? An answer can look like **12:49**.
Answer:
**2:28**
